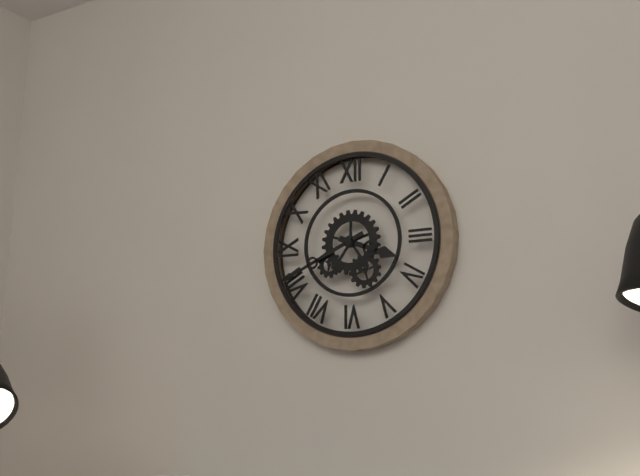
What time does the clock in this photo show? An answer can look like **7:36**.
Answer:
**3:41**
